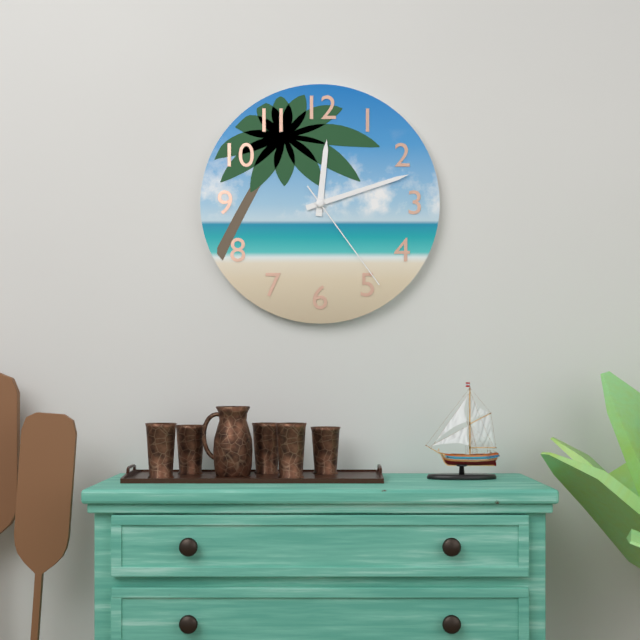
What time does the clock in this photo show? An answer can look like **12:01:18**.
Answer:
**12:12:24**
